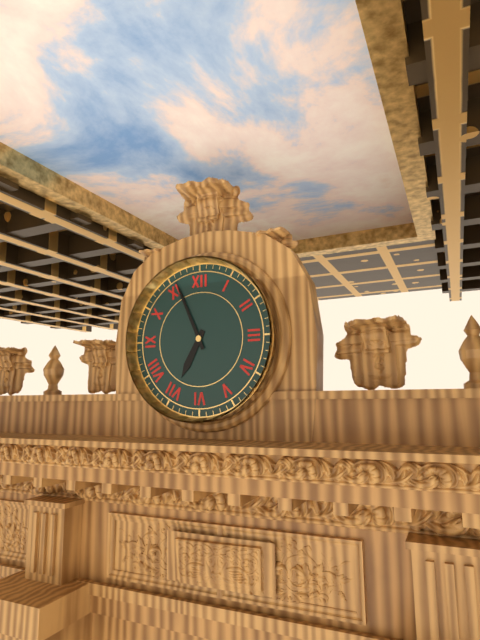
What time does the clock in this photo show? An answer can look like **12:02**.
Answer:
**6:56**
